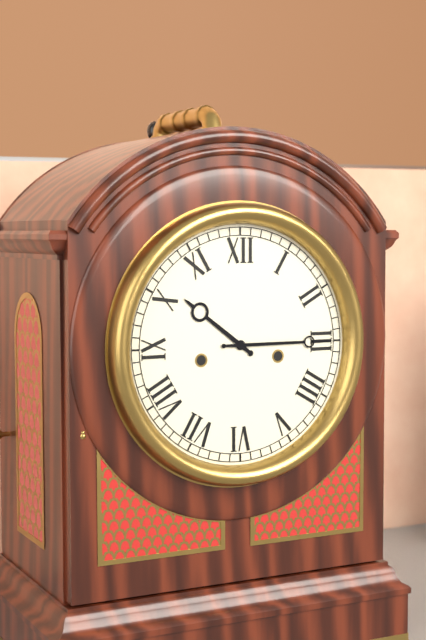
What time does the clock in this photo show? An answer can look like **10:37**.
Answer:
**10:15**
